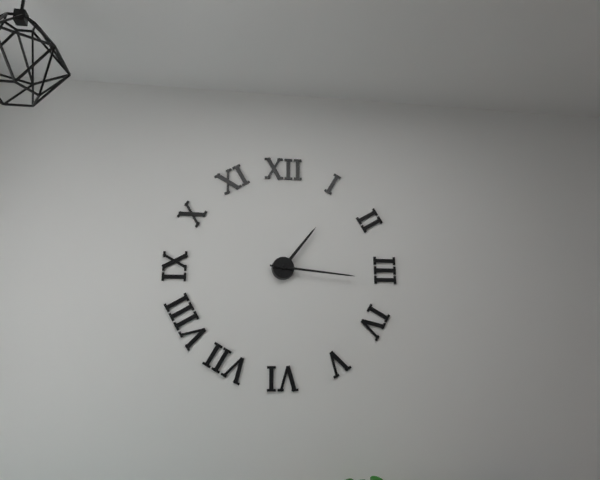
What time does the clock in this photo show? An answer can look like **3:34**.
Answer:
**1:16**
